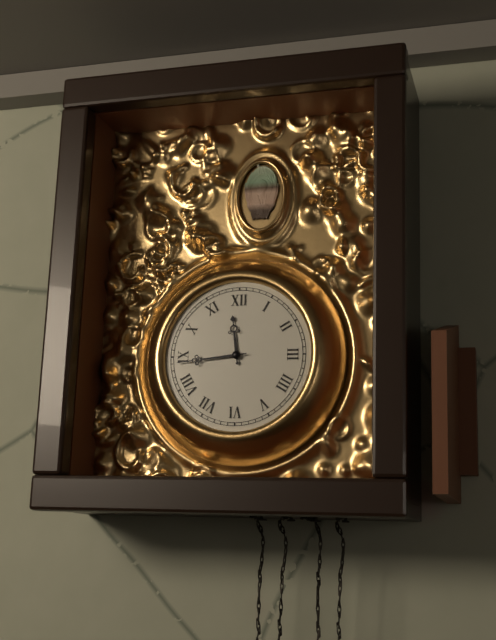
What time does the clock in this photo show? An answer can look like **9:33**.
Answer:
**11:44**
